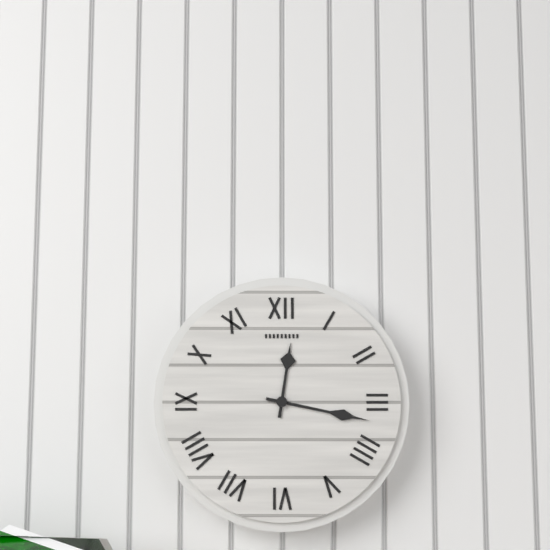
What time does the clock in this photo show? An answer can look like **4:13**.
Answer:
**12:17**
